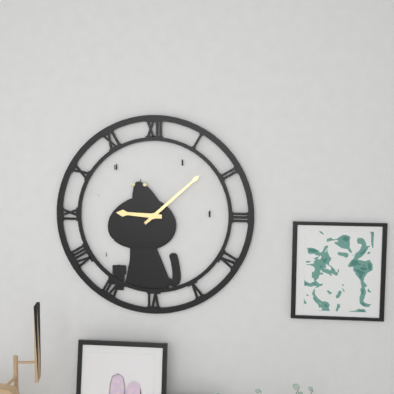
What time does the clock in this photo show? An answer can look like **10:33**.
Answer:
**9:08**
